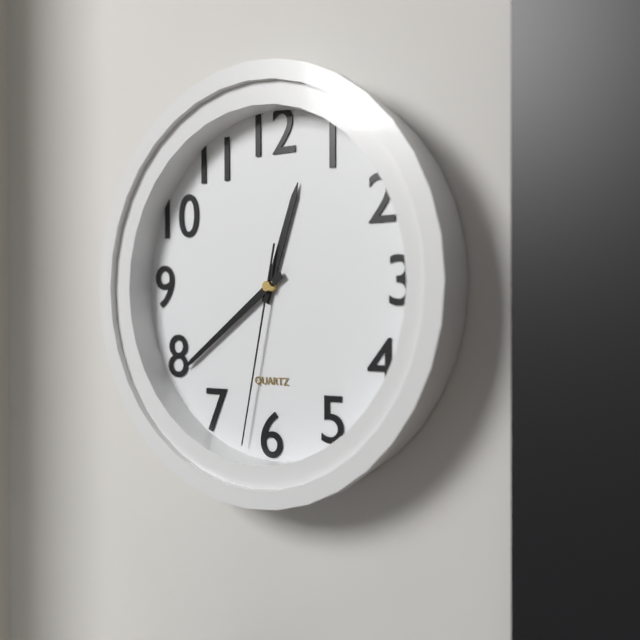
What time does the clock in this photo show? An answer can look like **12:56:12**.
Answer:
**12:39:32**
